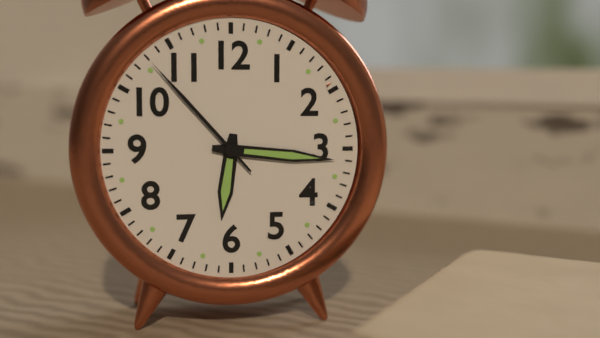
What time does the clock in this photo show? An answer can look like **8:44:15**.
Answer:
**6:16:53**
